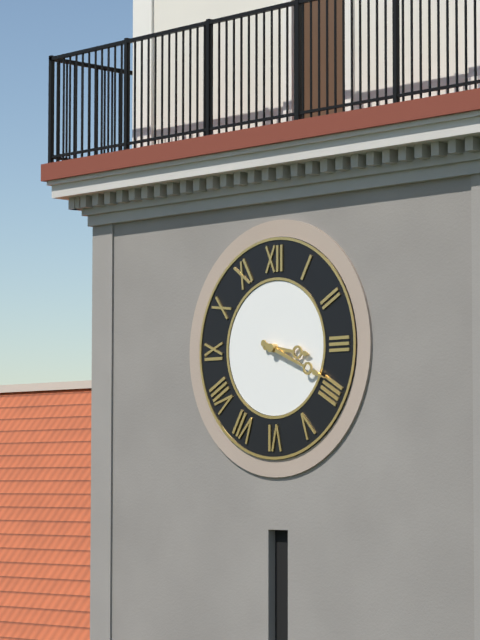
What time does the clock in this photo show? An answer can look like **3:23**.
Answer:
**3:19**
